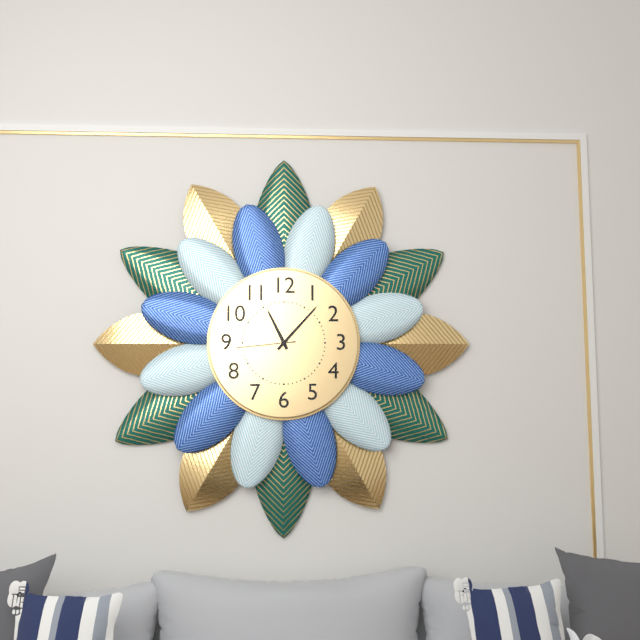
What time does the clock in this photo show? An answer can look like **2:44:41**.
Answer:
**11:07:44**
